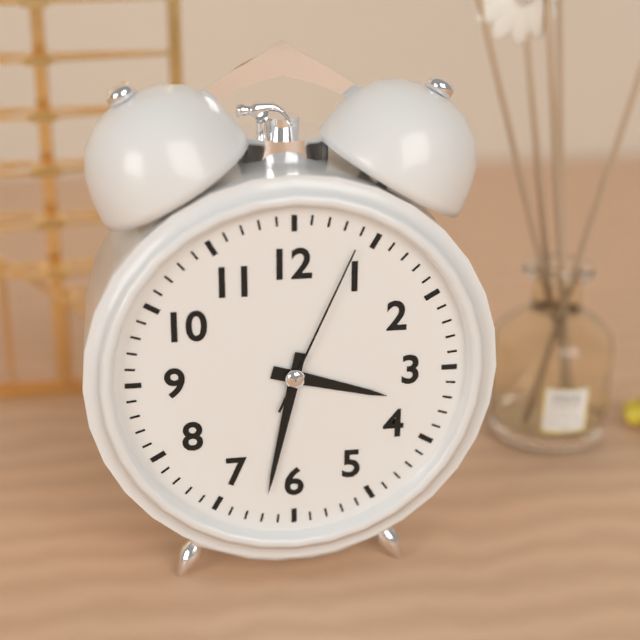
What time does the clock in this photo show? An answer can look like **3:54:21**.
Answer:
**3:32:04**
